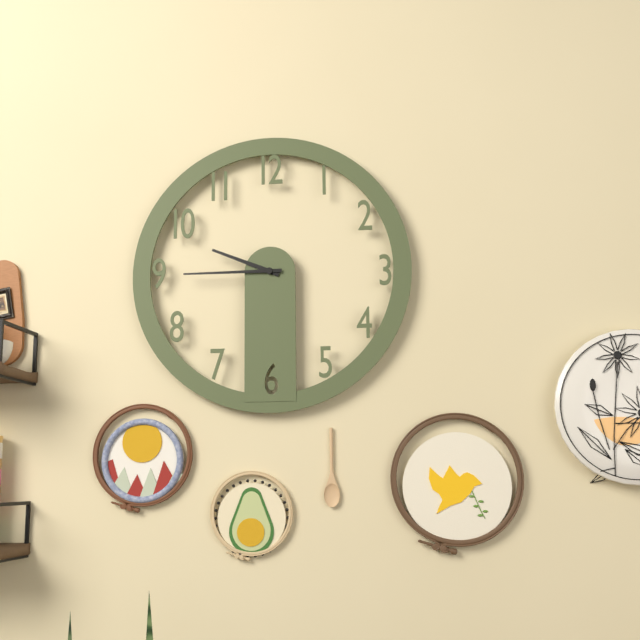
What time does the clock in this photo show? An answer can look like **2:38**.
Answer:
**9:45**
